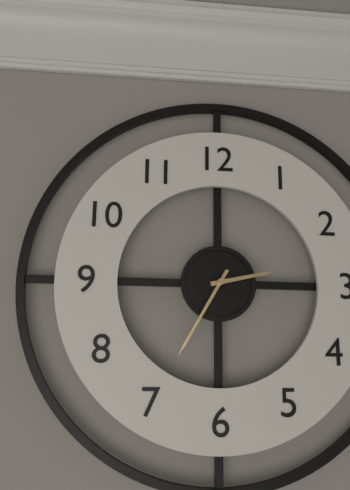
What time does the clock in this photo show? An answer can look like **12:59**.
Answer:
**2:35**
